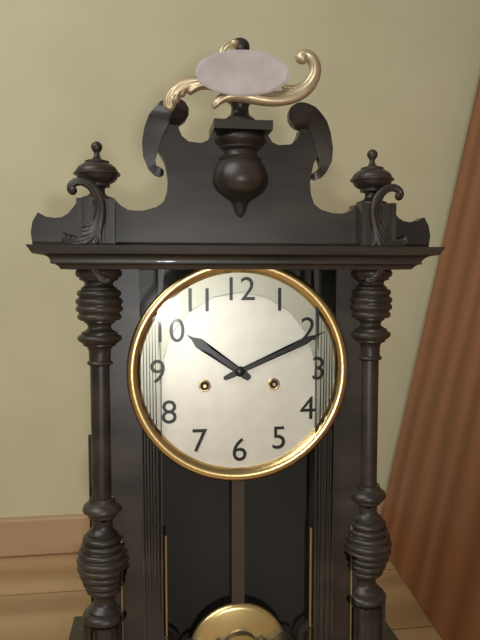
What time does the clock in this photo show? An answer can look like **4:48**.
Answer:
**10:11**
